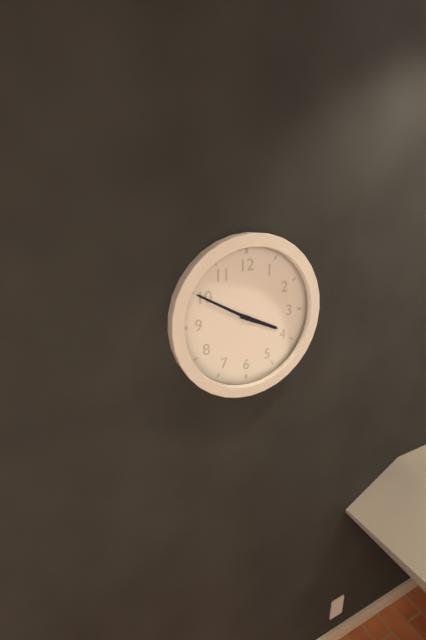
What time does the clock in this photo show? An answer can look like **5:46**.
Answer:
**3:50**
